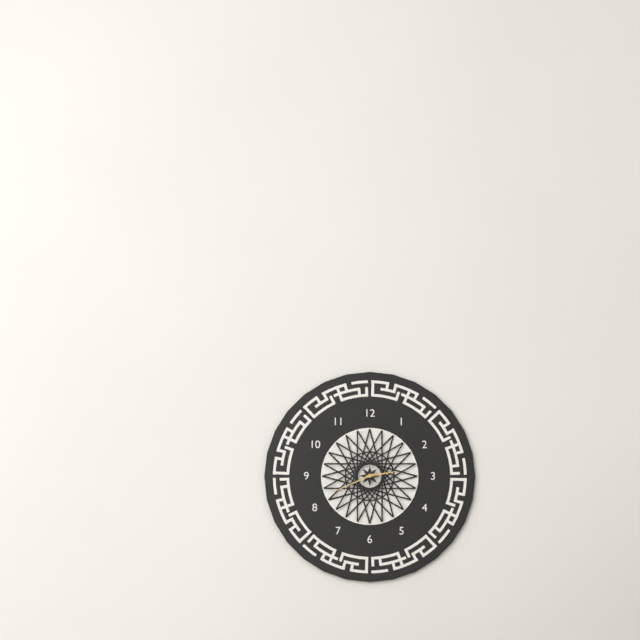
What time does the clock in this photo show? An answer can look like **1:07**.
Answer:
**2:41**
